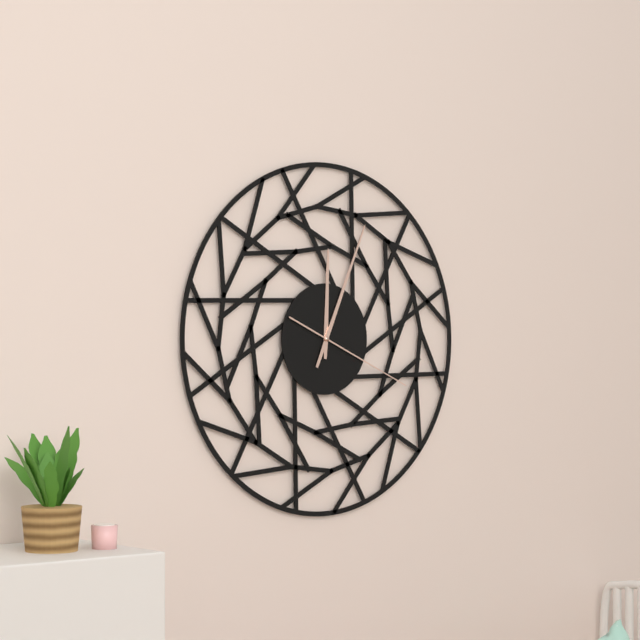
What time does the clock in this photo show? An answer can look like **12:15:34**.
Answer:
**12:04:19**
